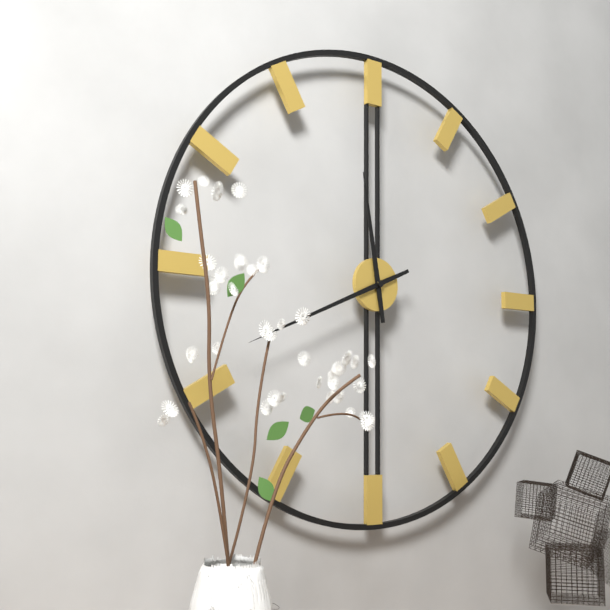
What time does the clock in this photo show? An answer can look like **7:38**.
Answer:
**11:41**
